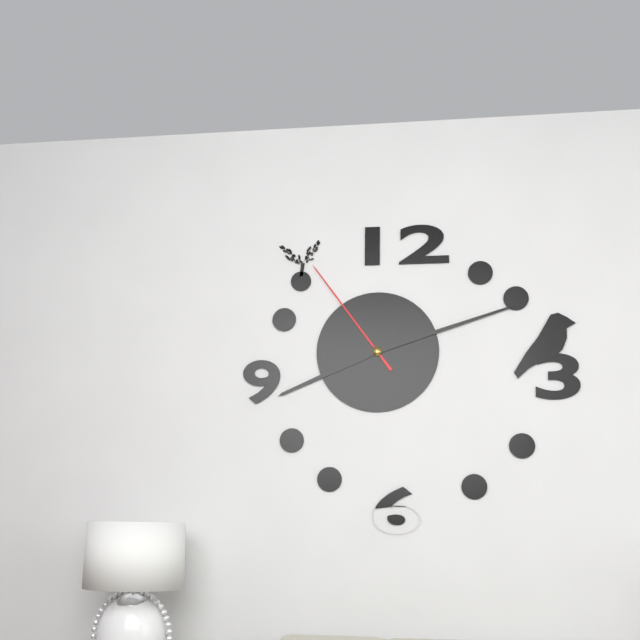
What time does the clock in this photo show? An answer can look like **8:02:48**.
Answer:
**8:12:54**
